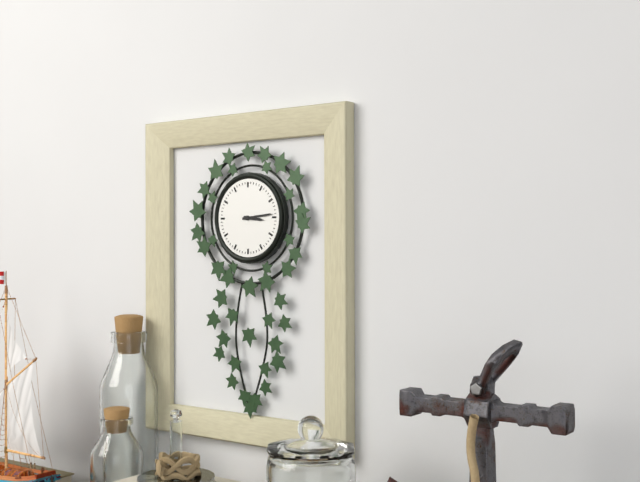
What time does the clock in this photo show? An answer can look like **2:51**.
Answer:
**3:14**
